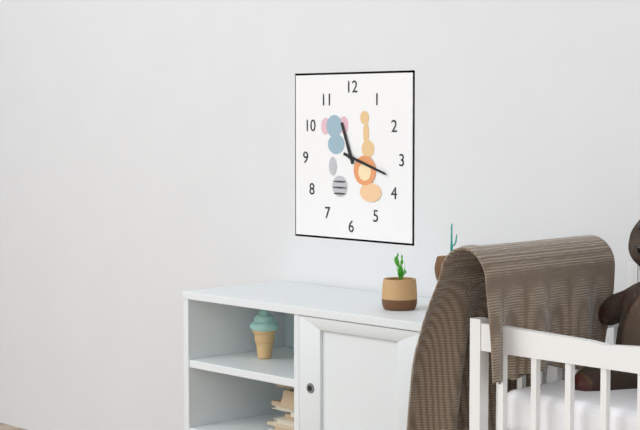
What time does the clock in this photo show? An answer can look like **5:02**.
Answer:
**11:18**
